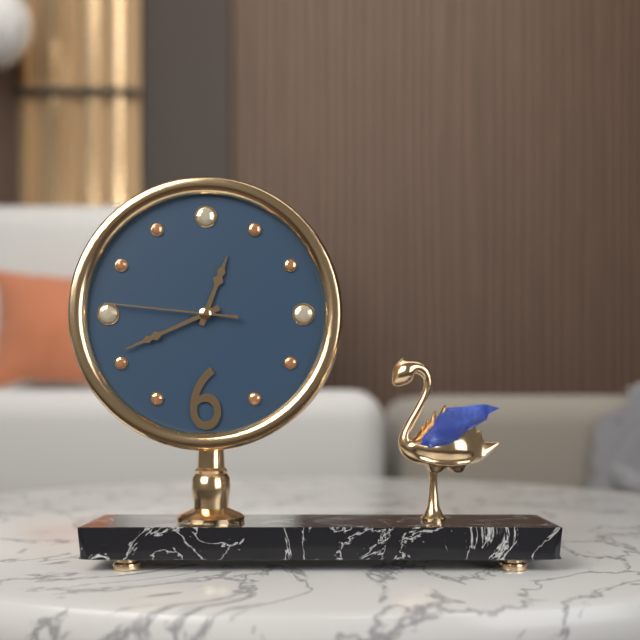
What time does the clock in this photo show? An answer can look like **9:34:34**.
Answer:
**12:41:46**
